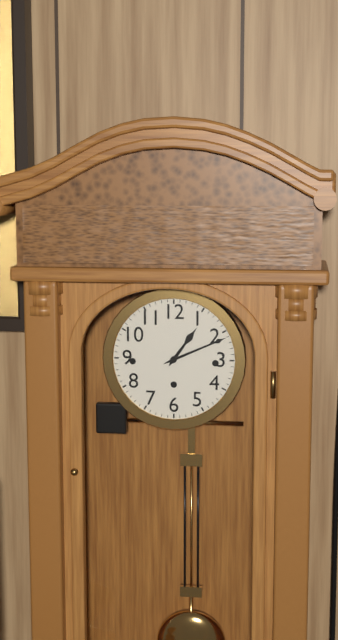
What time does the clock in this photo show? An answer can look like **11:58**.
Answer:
**1:11**
